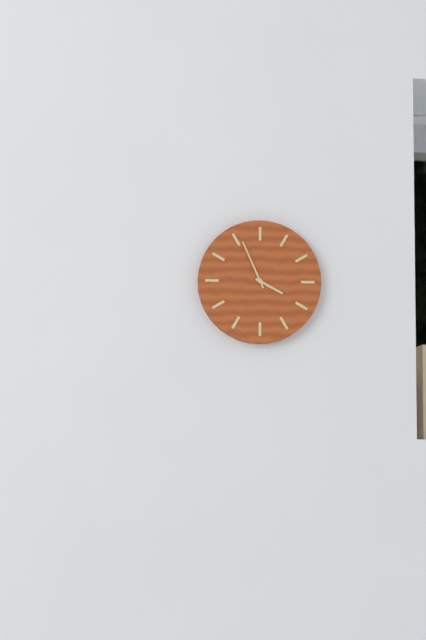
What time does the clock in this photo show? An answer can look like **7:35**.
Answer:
**3:56**
